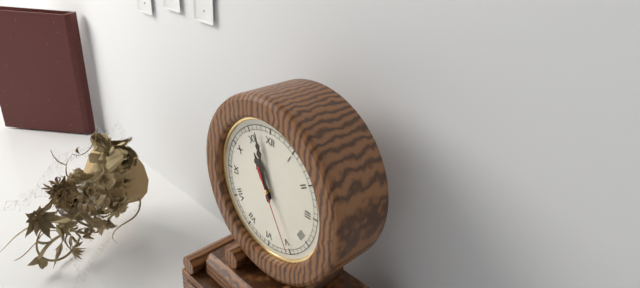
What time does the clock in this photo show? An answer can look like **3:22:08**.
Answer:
**10:57:25**
